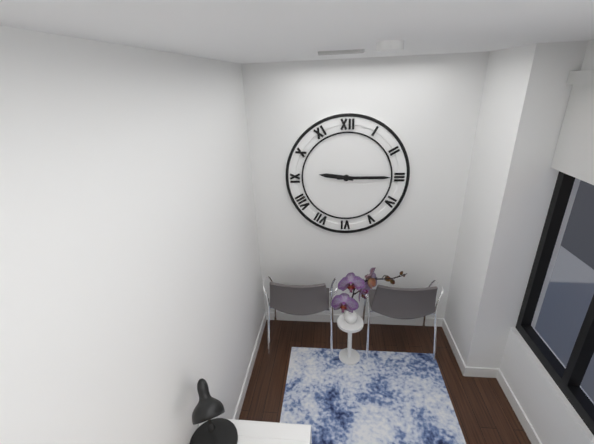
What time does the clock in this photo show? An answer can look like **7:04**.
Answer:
**9:15**
